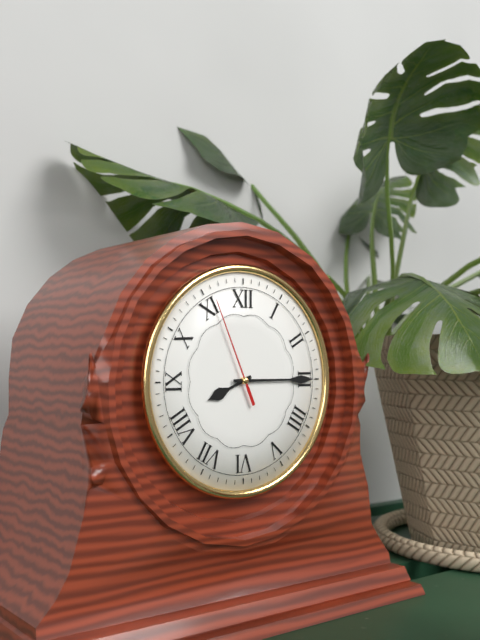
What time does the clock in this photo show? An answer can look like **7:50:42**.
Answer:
**8:15:56**
